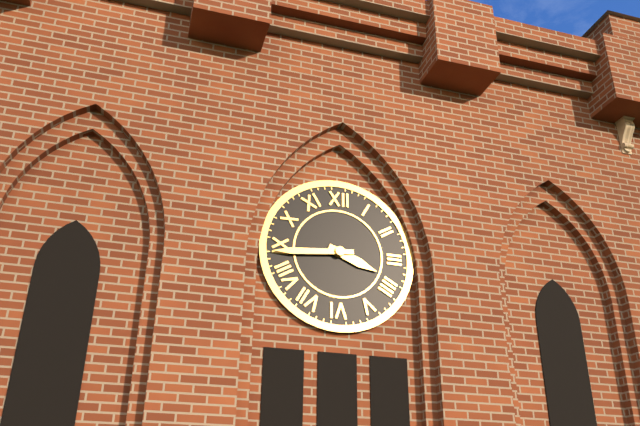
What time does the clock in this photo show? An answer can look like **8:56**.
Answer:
**3:44**
